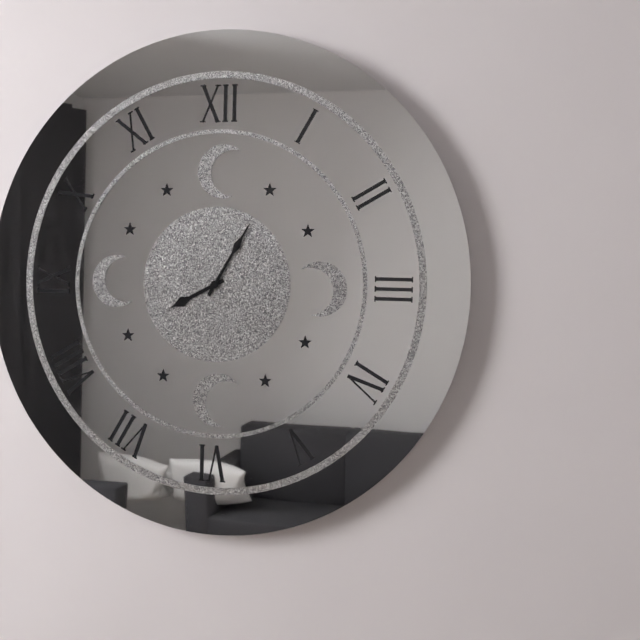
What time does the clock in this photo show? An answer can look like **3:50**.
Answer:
**8:05**
